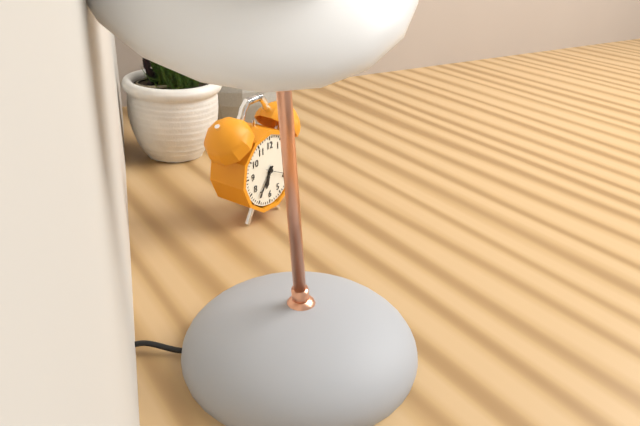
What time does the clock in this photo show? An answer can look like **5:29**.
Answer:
**6:36**
